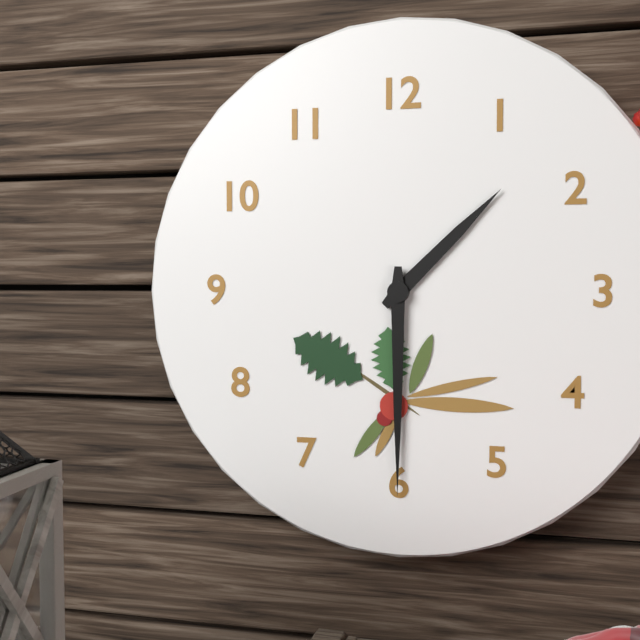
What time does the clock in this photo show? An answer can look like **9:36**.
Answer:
**1:30**
